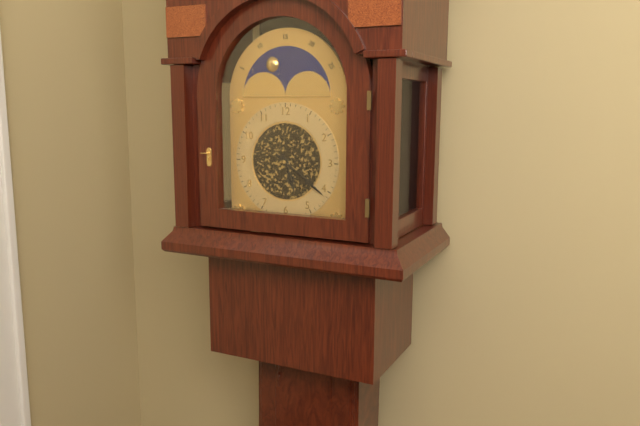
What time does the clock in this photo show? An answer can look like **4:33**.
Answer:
**5:21**
